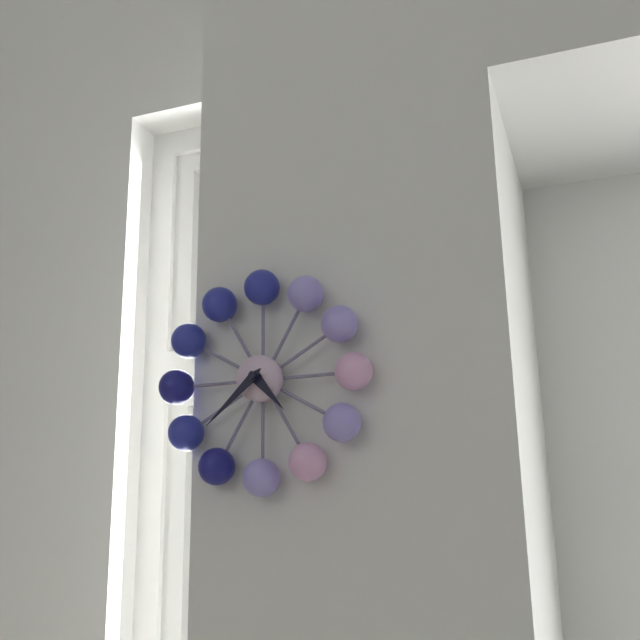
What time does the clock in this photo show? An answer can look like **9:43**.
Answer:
**4:38**
